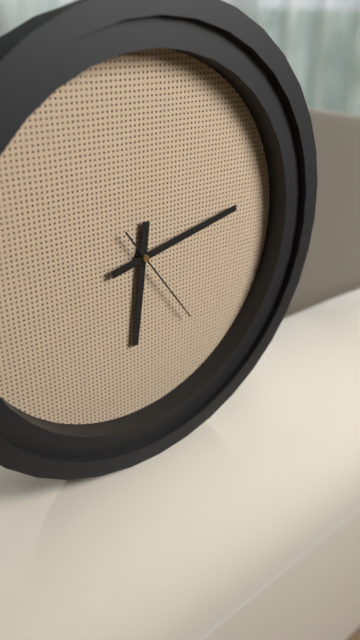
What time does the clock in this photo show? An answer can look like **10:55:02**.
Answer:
**6:13:24**
